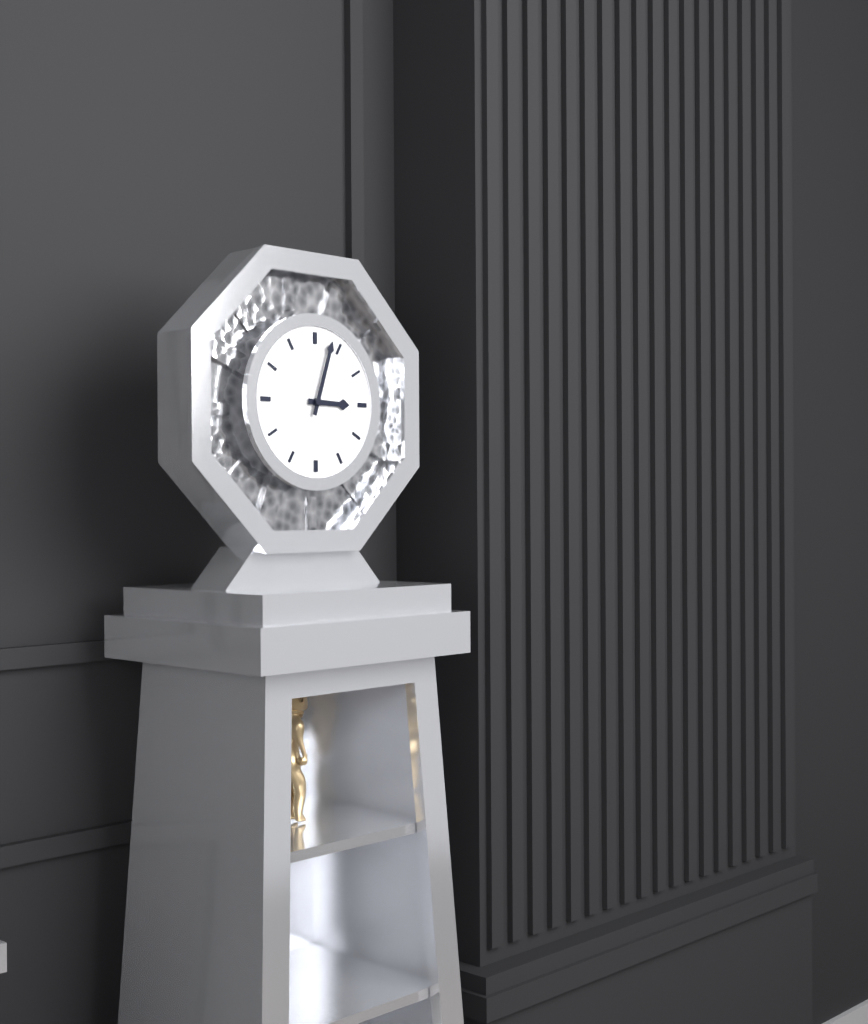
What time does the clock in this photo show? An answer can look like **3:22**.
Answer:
**3:03**
